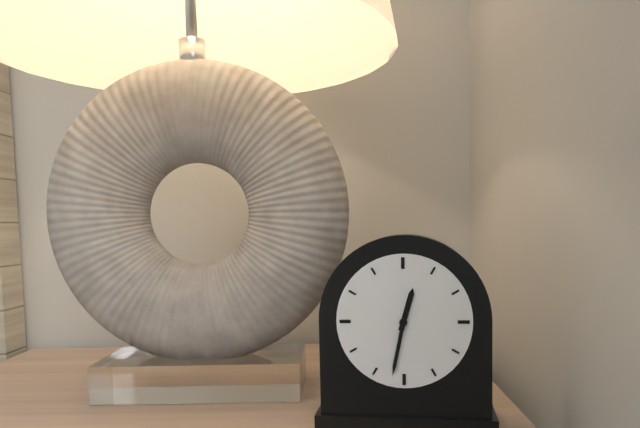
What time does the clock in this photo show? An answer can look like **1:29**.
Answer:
**12:32**
